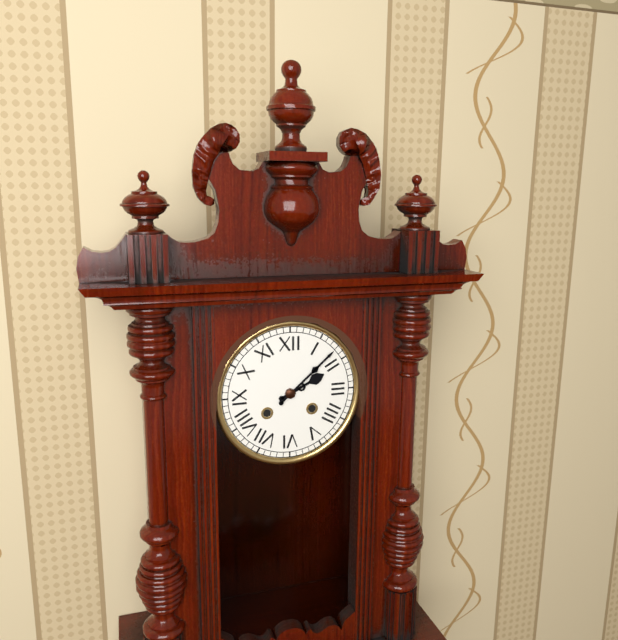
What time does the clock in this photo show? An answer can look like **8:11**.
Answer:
**2:08**
